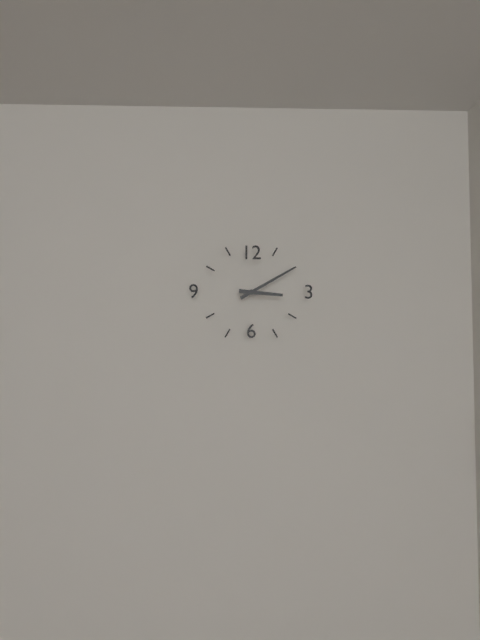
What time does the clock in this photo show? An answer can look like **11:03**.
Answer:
**3:10**
